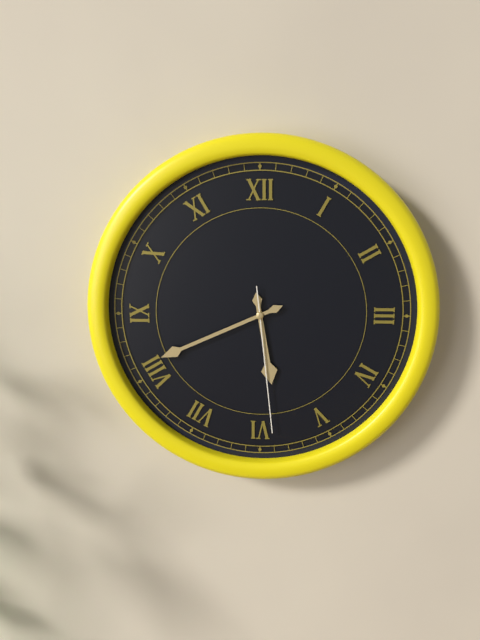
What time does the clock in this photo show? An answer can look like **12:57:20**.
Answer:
**5:41:29**
